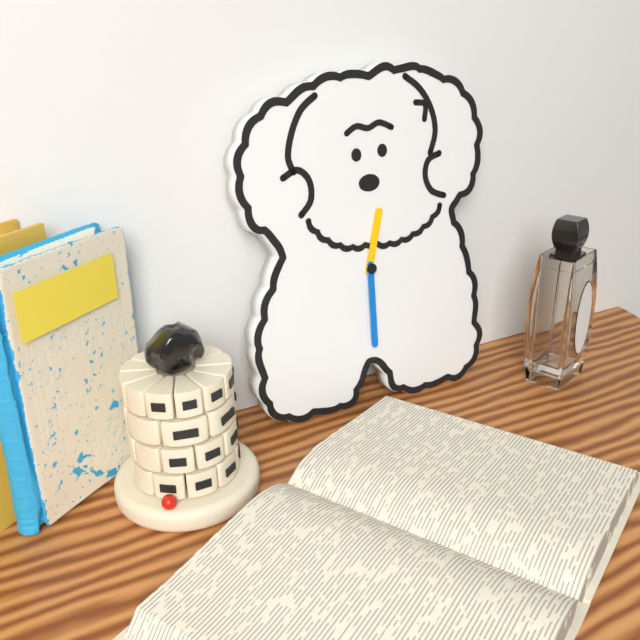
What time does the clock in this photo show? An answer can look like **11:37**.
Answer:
**12:30**
